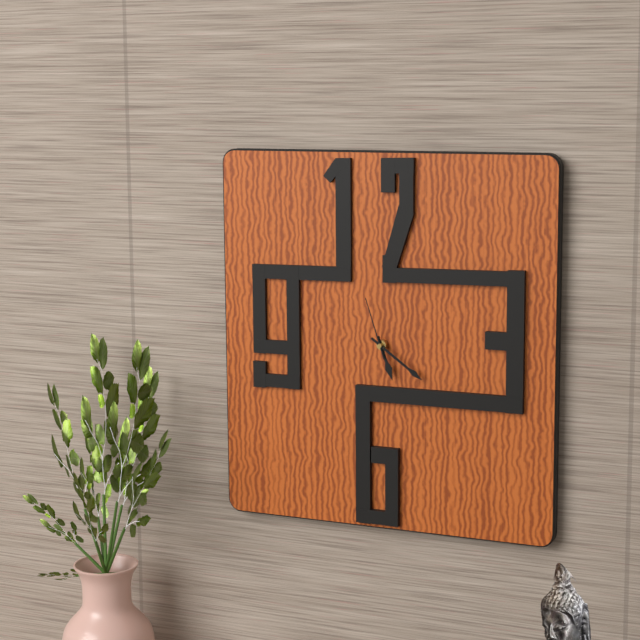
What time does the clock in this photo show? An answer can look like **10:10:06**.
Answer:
**5:21:57**
